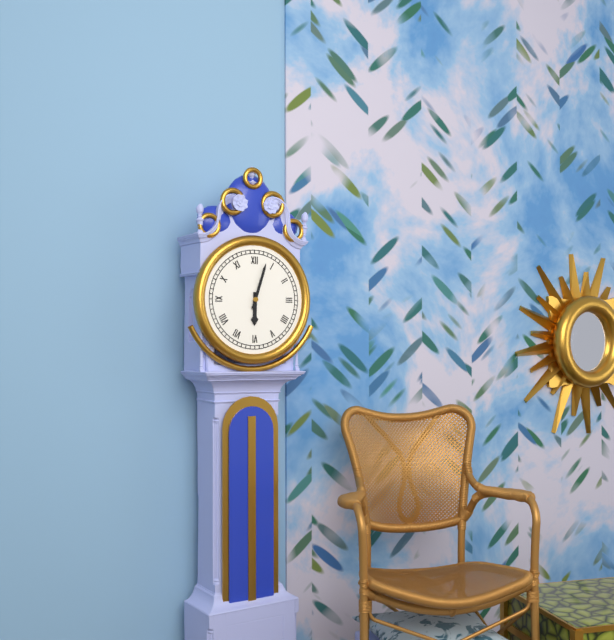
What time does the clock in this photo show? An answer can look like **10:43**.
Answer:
**6:03**
